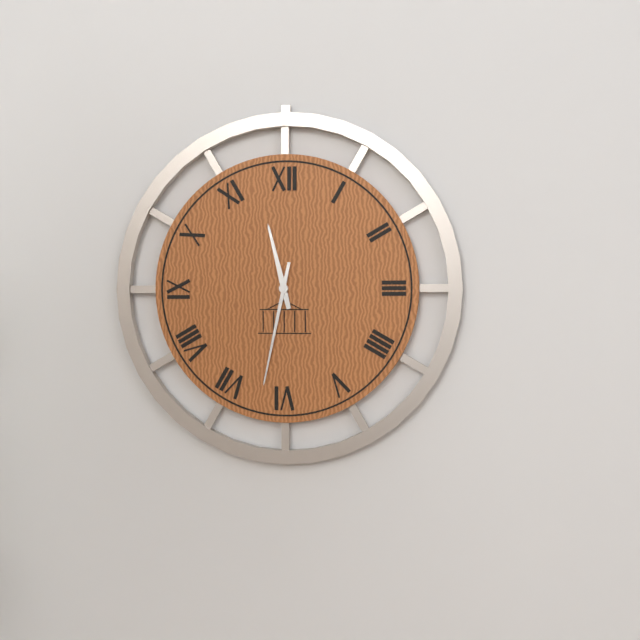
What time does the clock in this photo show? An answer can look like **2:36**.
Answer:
**11:32**
